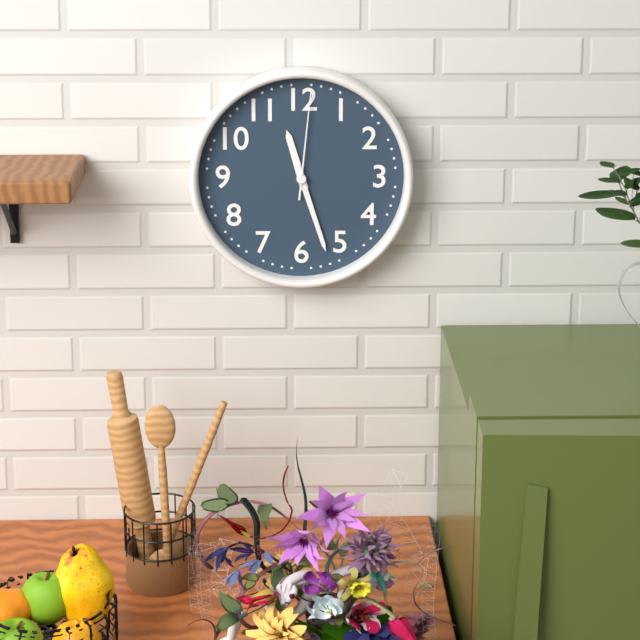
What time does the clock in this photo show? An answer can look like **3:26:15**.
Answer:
**11:27:01**
